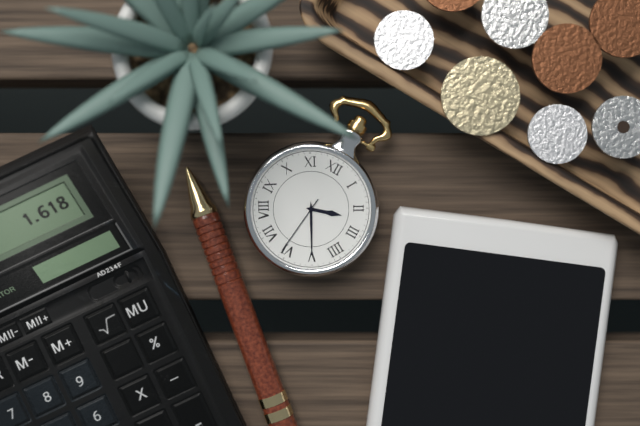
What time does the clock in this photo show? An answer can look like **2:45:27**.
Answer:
**2:25:31**
